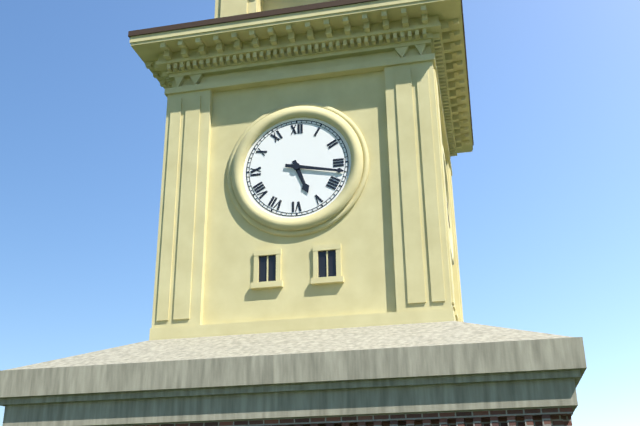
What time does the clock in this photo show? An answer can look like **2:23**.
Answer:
**5:17**
